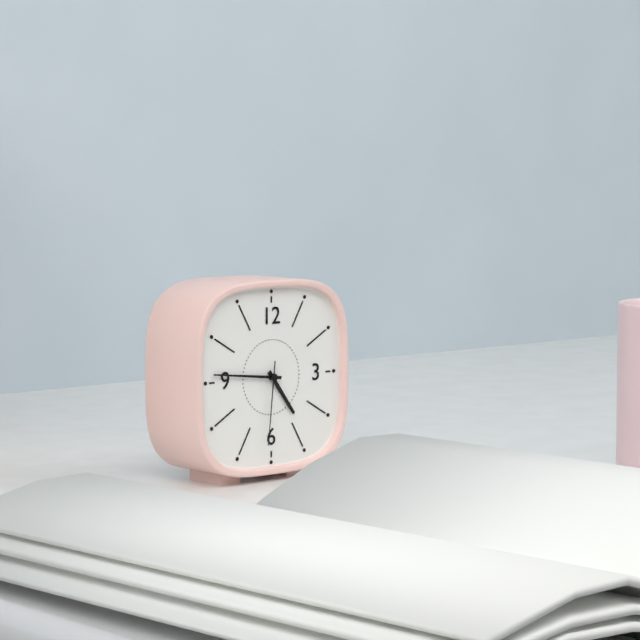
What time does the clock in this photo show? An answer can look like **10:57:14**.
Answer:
**4:46:31**
